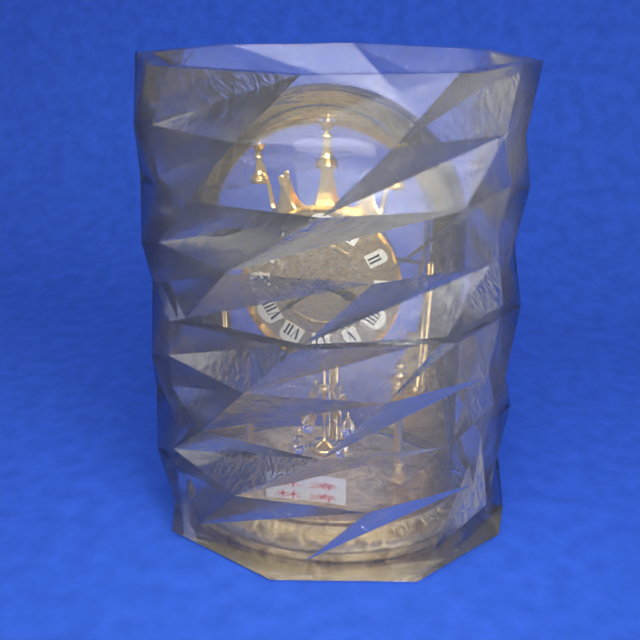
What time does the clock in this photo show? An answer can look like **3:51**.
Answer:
**3:39**
